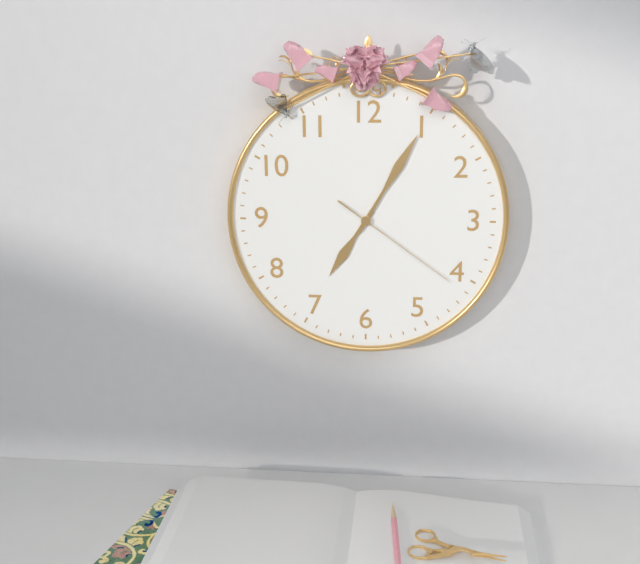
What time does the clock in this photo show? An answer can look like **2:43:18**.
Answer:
**7:05:21**
